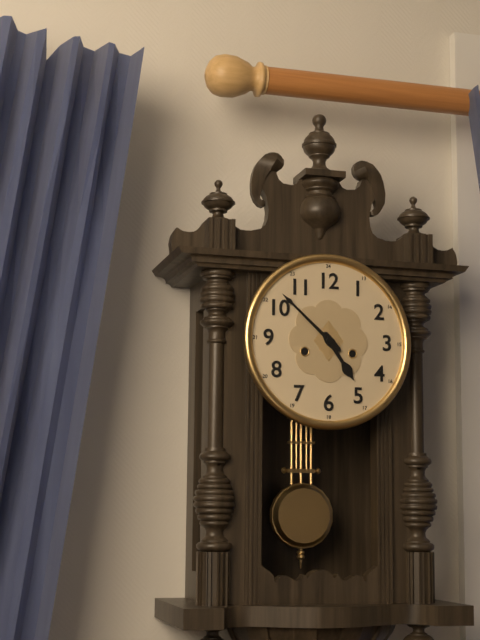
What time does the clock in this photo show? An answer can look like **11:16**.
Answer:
**4:52**
